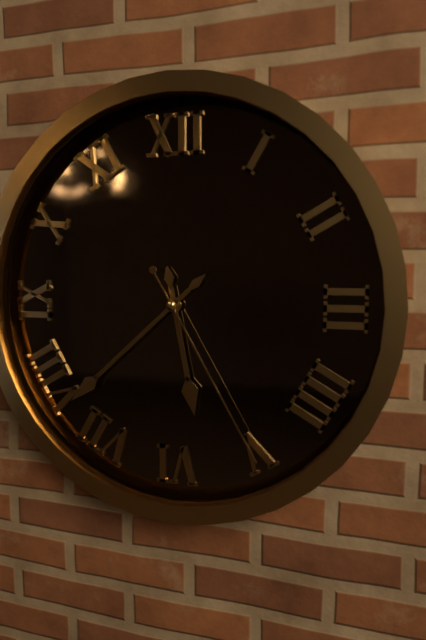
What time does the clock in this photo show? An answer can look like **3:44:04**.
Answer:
**5:38:25**
